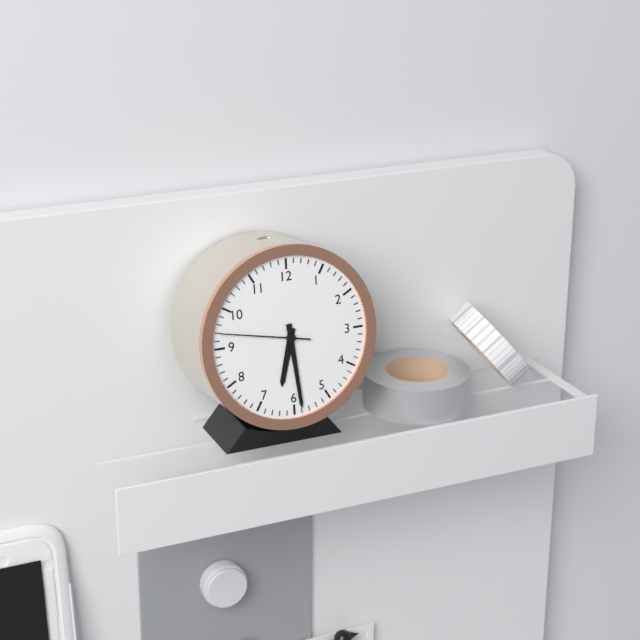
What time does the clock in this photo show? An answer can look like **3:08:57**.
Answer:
**6:29:47**
